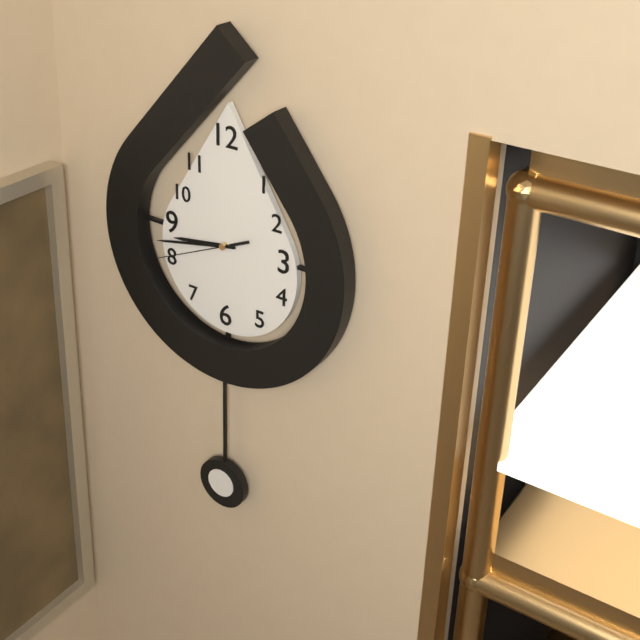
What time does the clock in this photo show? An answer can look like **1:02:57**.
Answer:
**8:43:41**
